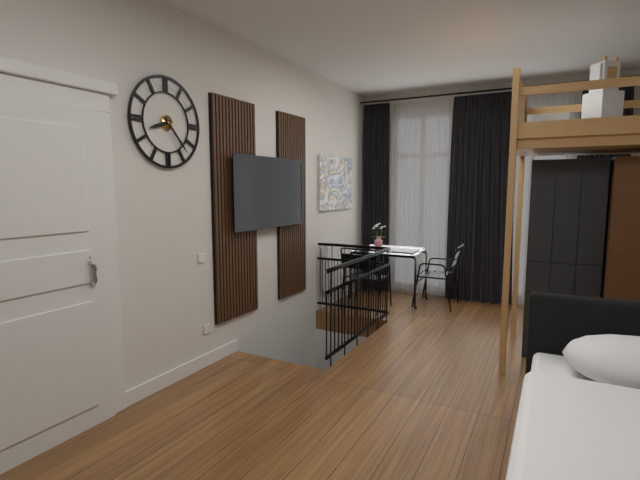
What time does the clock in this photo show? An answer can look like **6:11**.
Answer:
**8:23**
